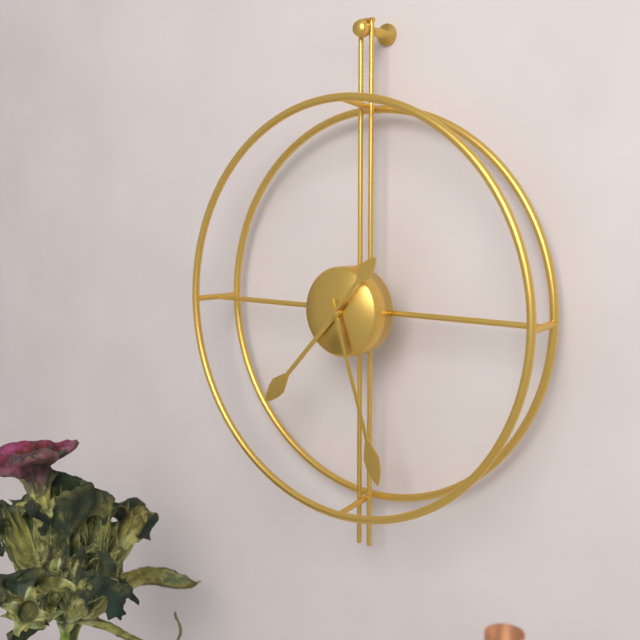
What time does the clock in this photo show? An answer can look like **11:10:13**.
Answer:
**7:27:07**
